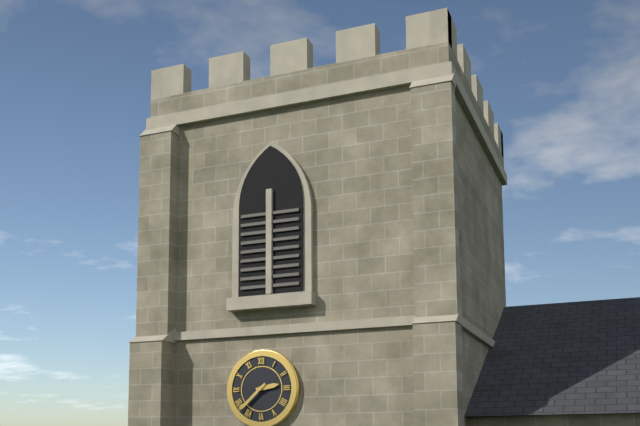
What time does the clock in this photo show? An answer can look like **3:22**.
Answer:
**2:38**
